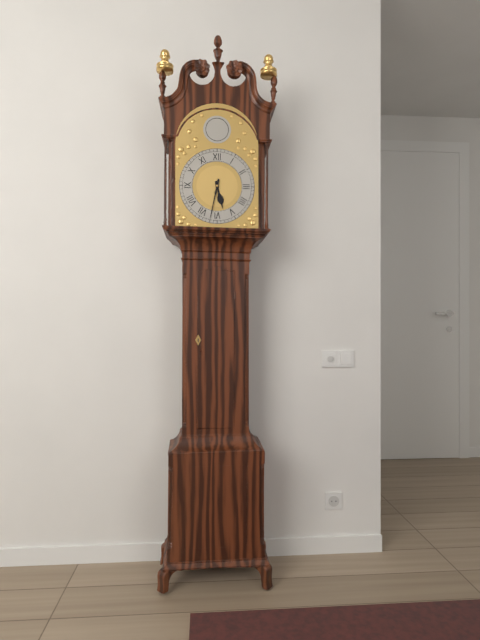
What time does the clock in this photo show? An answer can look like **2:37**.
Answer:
**5:32**
